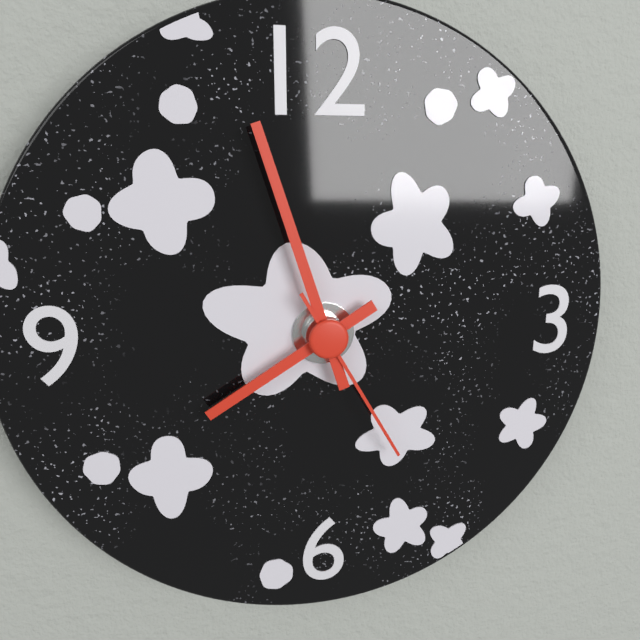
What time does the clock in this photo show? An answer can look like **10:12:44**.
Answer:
**7:57:25**
